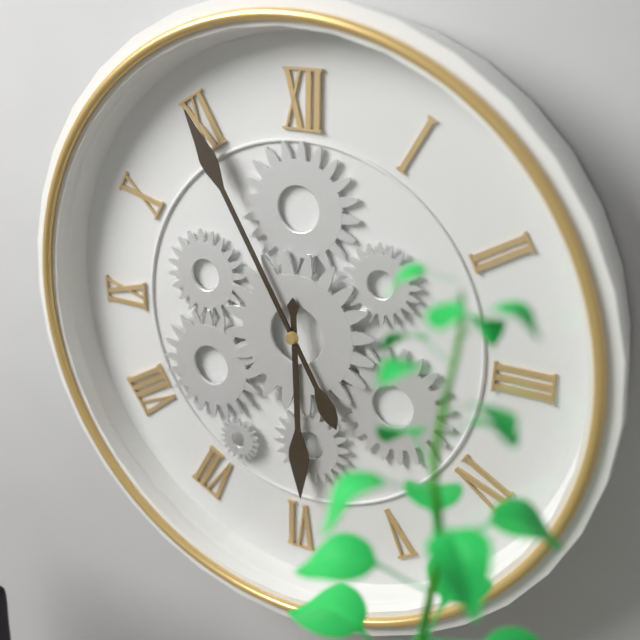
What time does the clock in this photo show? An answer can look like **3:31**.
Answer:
**5:55**
